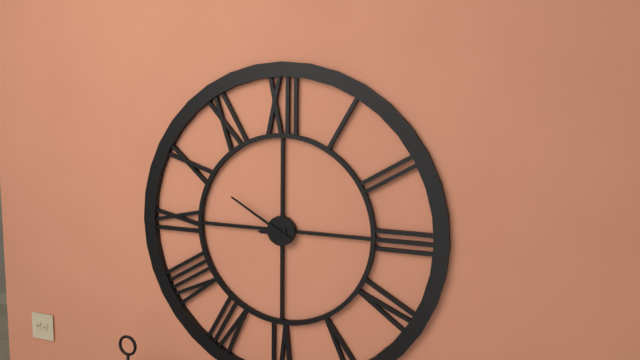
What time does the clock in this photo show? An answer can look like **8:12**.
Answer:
**8:50**
